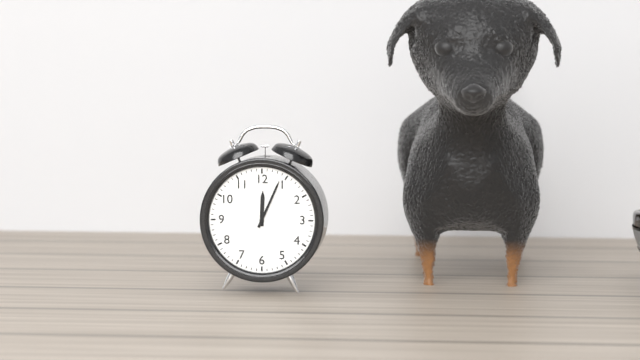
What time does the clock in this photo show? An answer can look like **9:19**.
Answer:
**12:04**
